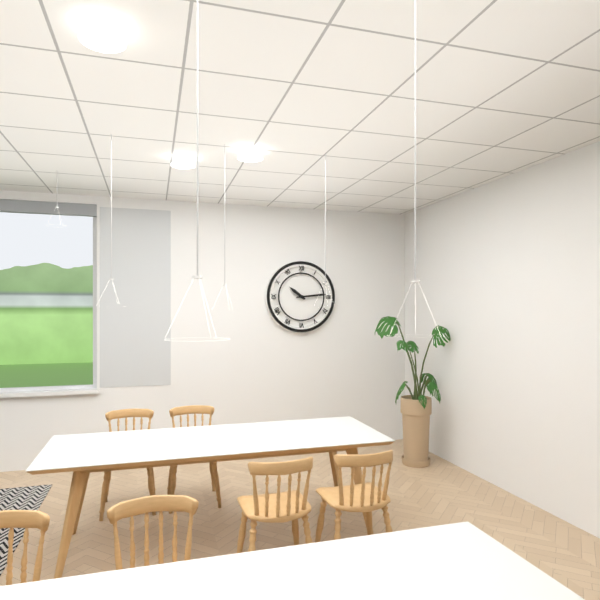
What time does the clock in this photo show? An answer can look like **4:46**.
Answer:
**10:14**
